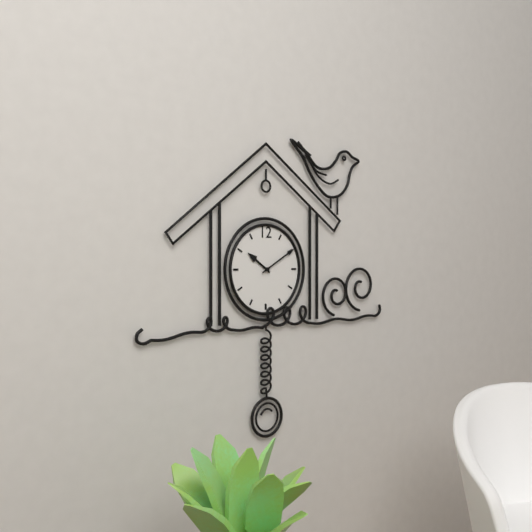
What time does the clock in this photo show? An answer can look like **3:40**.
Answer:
**10:10**
